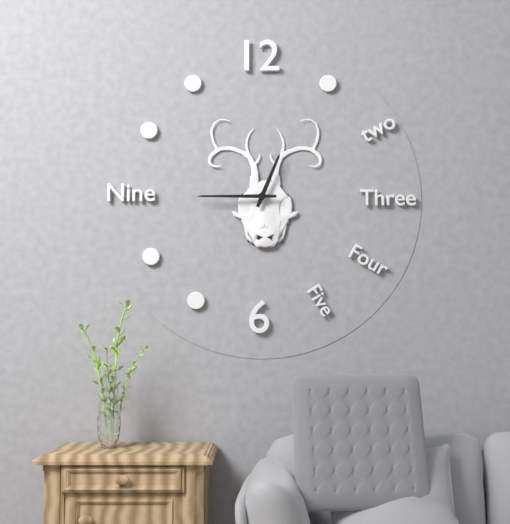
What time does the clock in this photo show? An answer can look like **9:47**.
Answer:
**12:45**
